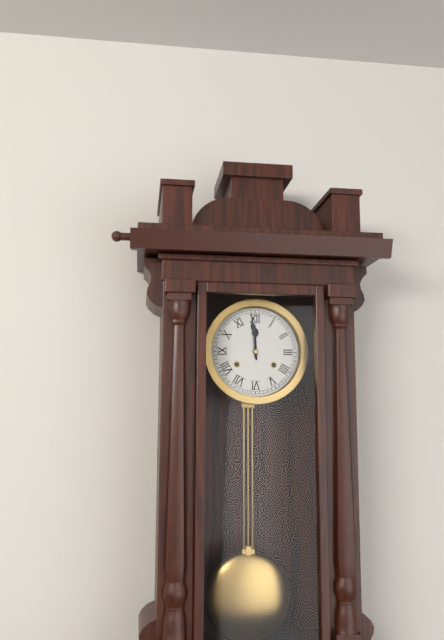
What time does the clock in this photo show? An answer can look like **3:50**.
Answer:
**11:59**
